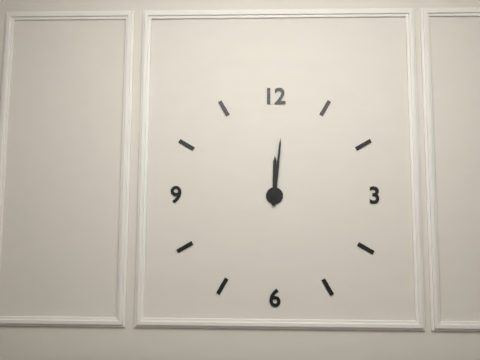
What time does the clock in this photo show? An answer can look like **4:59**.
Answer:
**12:01**
